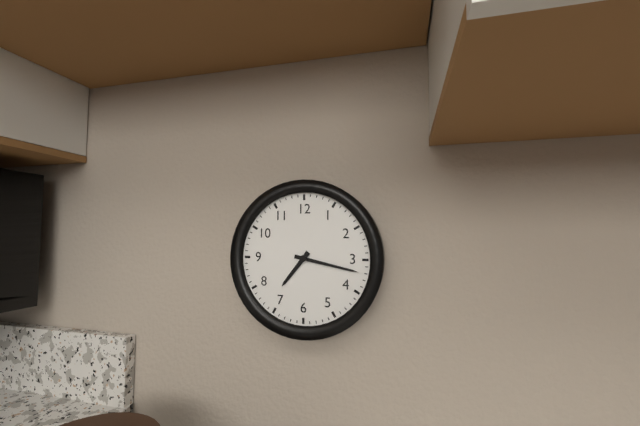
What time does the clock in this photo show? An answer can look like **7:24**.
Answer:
**7:17**
